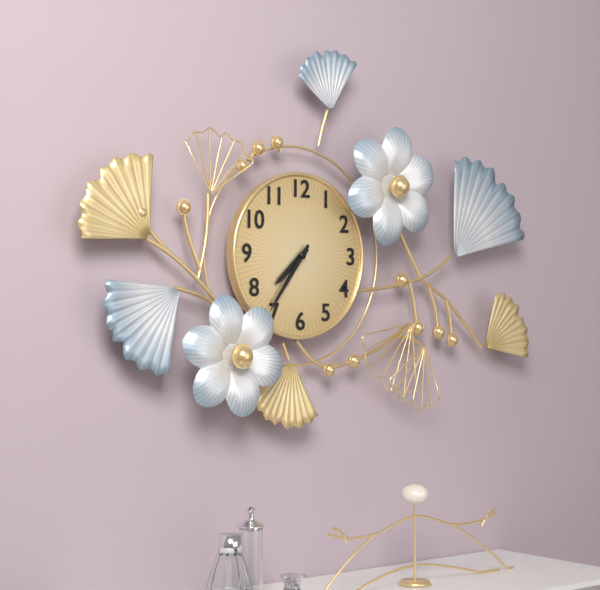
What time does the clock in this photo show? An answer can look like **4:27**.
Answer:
**7:36**
